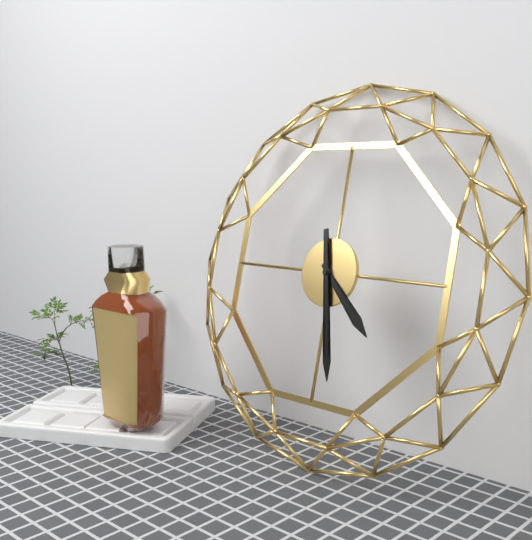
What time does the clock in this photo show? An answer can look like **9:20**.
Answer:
**4:28**
